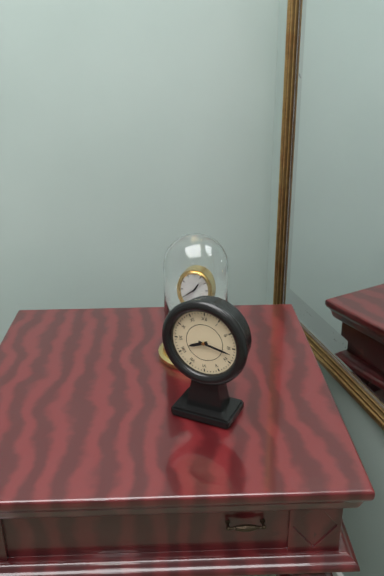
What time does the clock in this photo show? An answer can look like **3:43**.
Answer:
**8:17**
